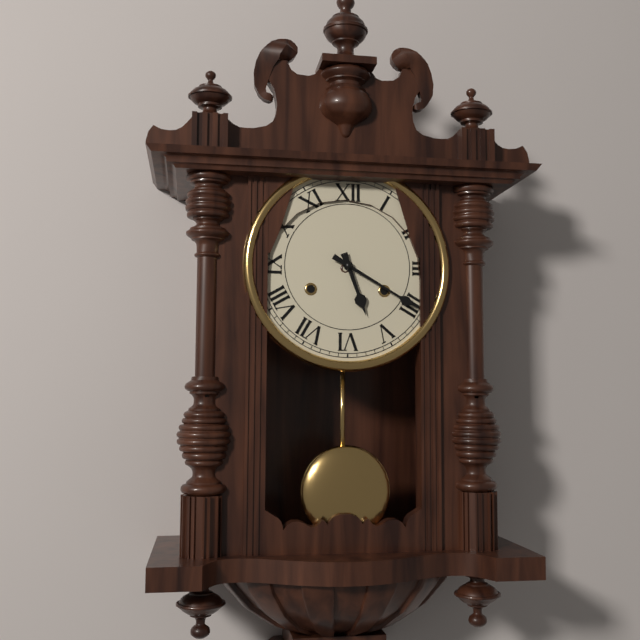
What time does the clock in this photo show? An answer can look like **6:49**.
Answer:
**5:20**
